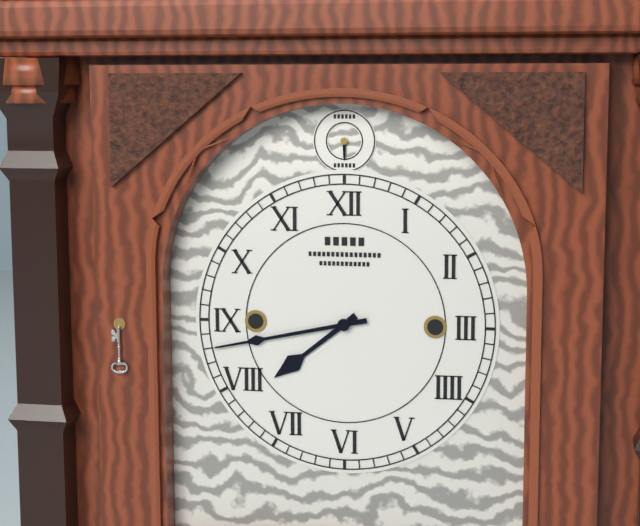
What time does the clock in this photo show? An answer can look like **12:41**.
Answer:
**7:43**
